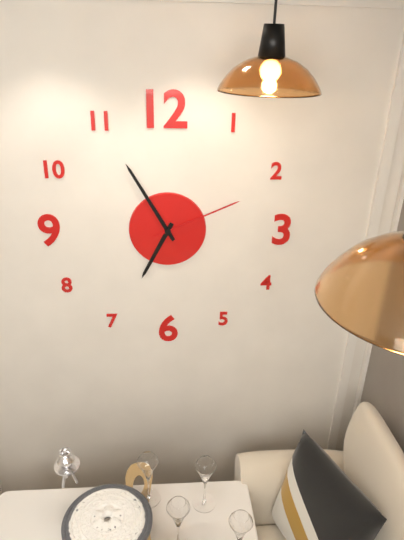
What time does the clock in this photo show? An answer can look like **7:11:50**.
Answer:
**6:55:11**
